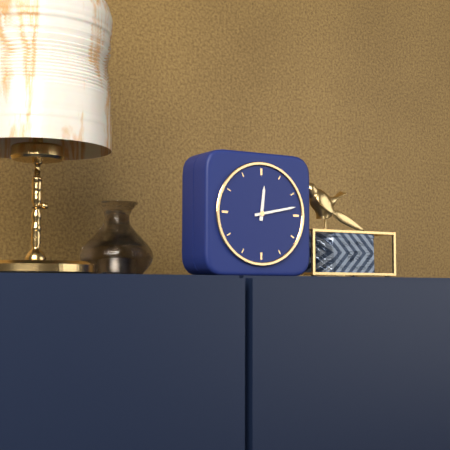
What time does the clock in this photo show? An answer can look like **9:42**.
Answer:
**12:13**
